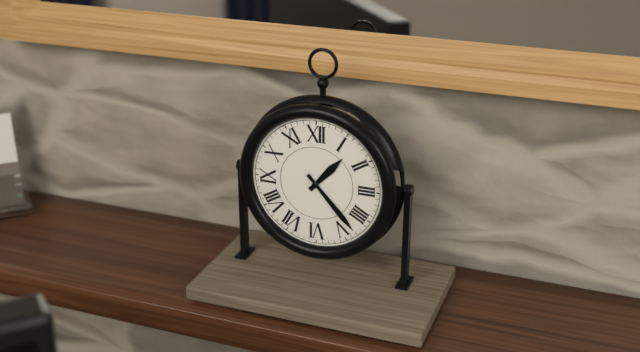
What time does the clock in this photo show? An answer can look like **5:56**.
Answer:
**1:23**
